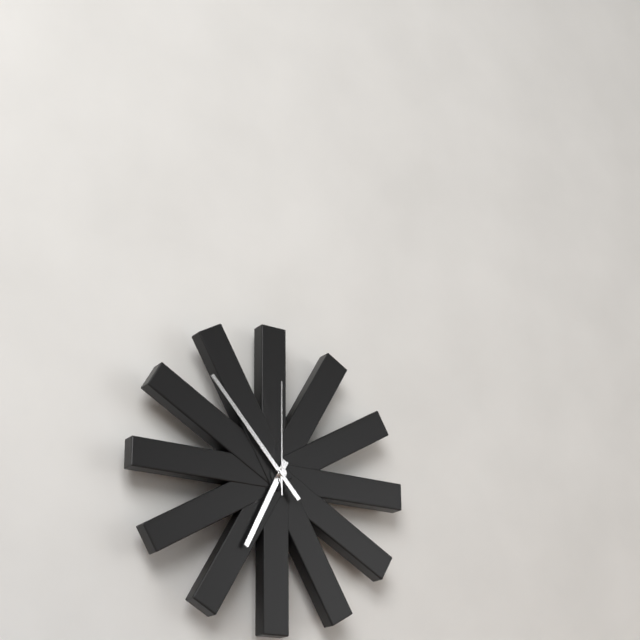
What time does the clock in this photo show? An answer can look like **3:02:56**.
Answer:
**6:53:00**
